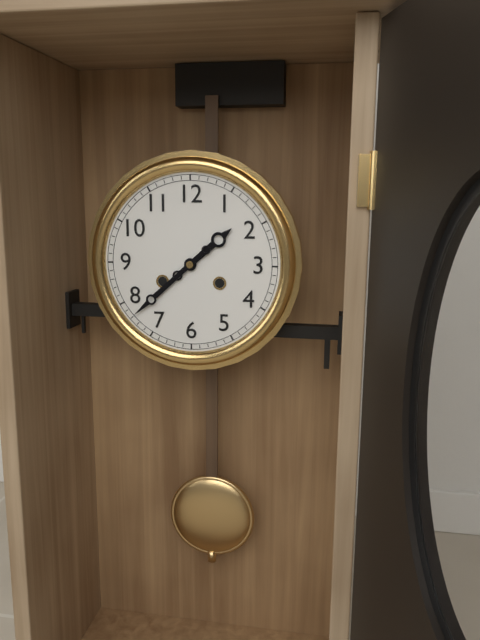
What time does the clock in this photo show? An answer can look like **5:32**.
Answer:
**1:38**
